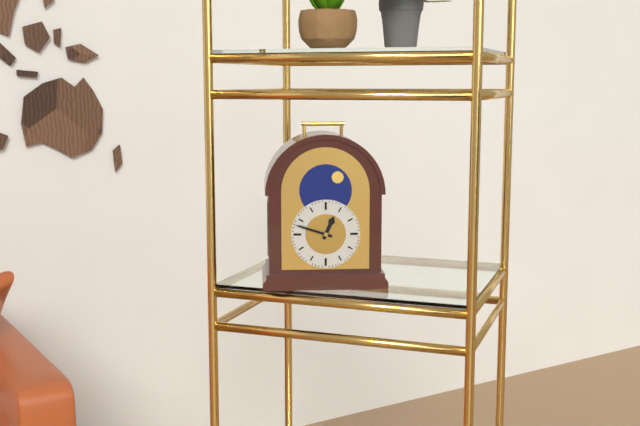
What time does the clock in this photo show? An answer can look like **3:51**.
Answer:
**12:48**
